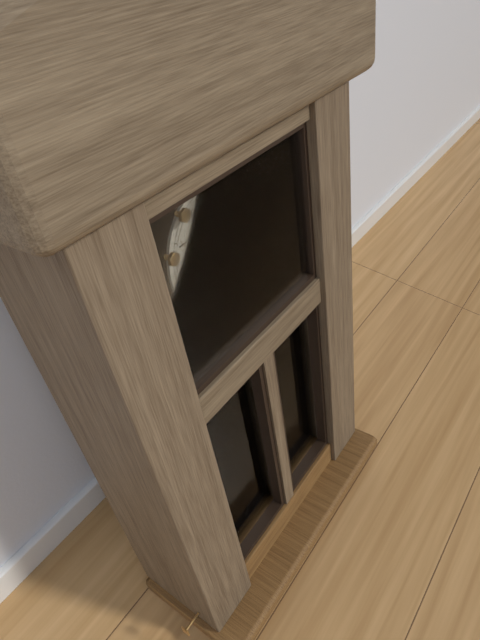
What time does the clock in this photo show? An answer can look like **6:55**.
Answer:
**12:06**
